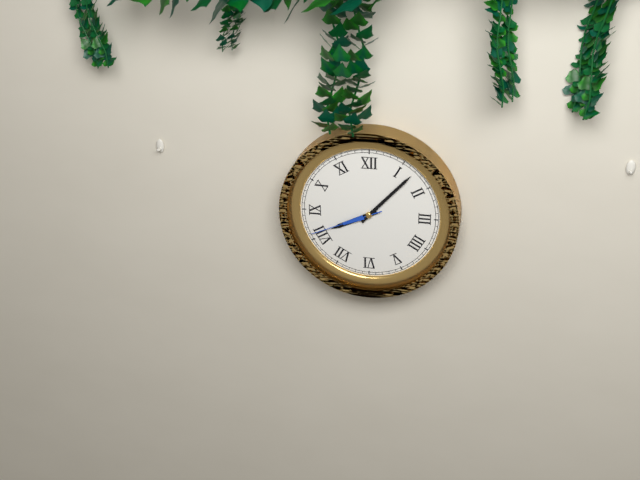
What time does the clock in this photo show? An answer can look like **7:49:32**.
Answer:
**8:07:41**
